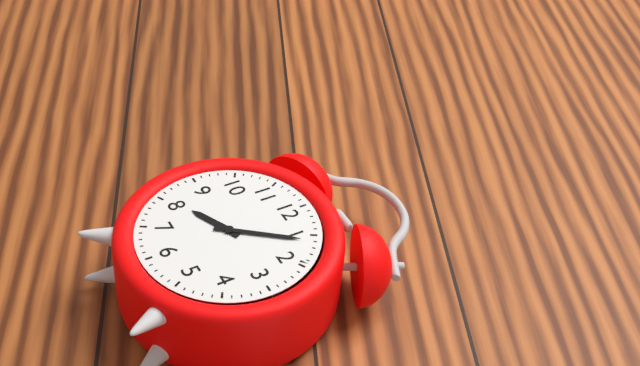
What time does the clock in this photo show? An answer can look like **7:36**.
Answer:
**8:06**
